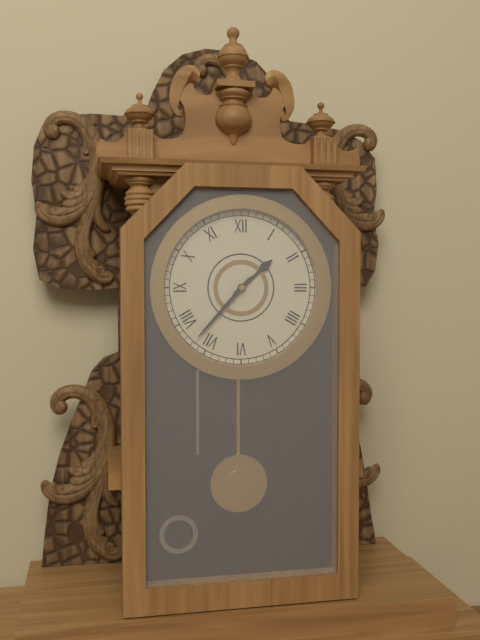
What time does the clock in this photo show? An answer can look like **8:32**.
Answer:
**1:37**
